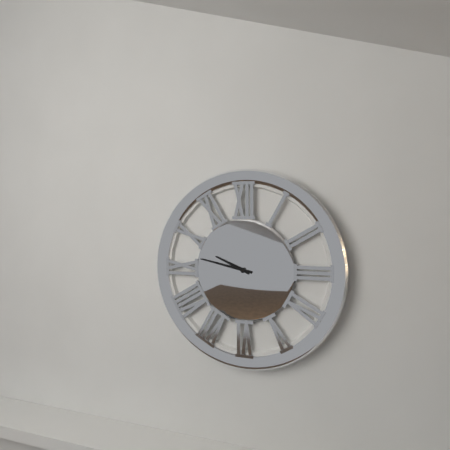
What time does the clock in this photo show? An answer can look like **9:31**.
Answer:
**9:47**
